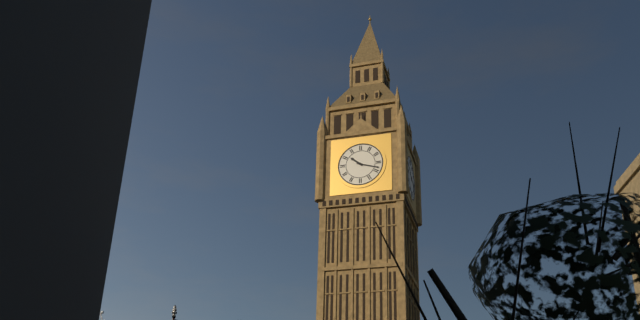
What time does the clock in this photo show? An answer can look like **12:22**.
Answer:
**10:18**
